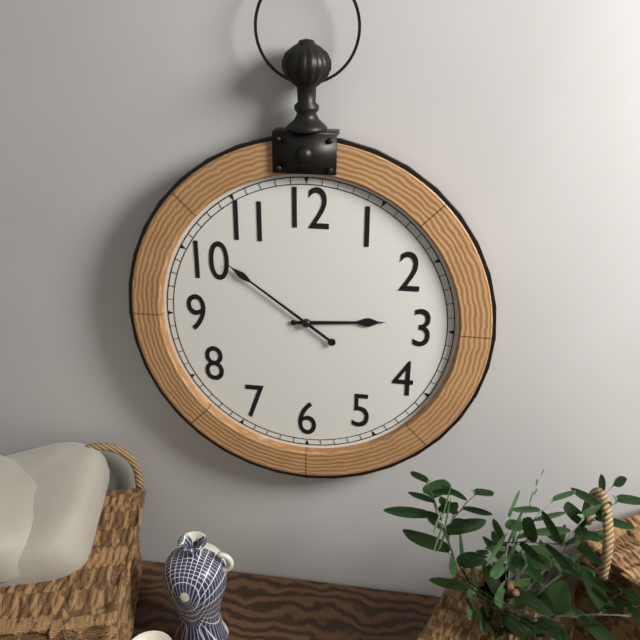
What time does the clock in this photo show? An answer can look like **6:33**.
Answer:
**2:51**
